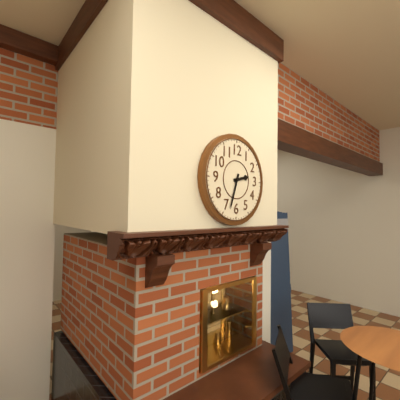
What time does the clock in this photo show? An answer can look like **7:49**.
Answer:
**2:33**
